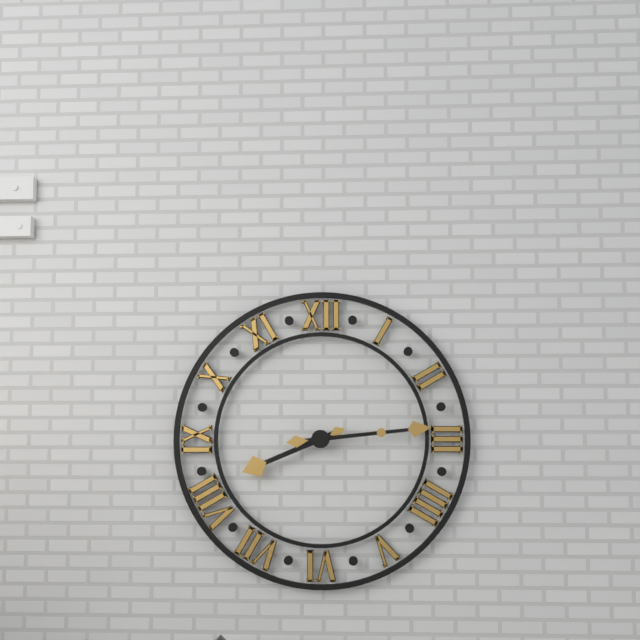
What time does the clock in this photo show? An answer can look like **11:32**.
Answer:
**8:14**
